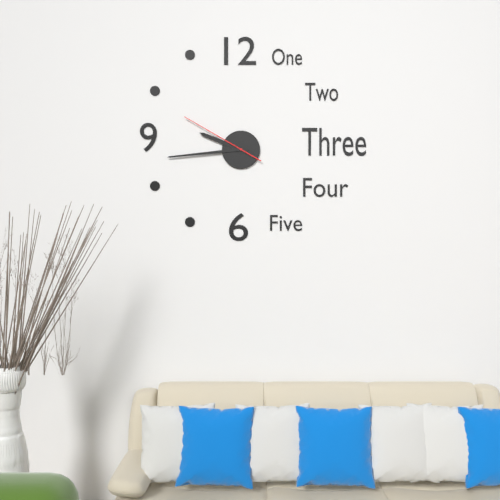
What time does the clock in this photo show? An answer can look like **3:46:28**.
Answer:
**9:44:50**
